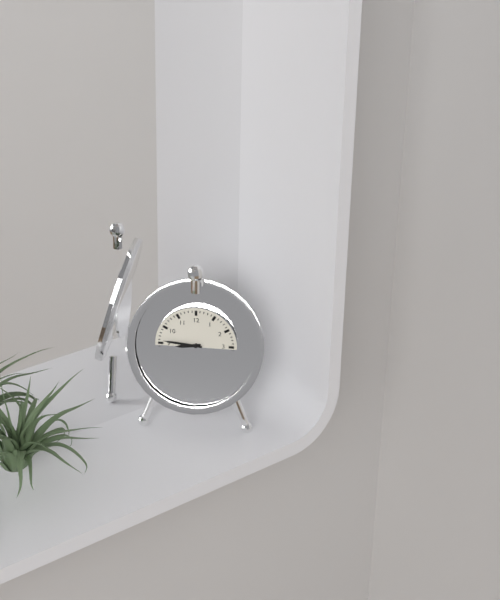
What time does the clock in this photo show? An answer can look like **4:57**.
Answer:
**8:46**
